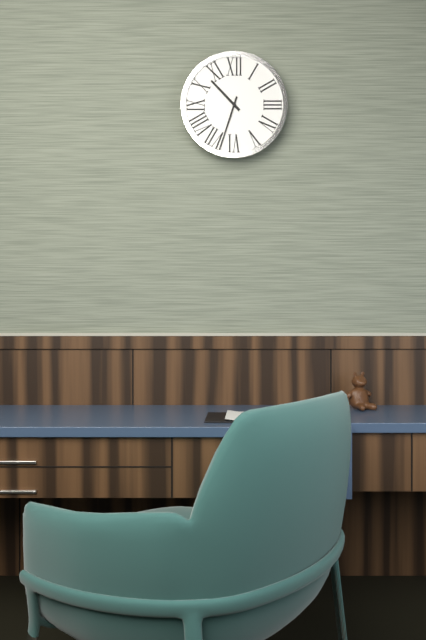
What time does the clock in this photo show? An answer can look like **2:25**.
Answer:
**10:33**
